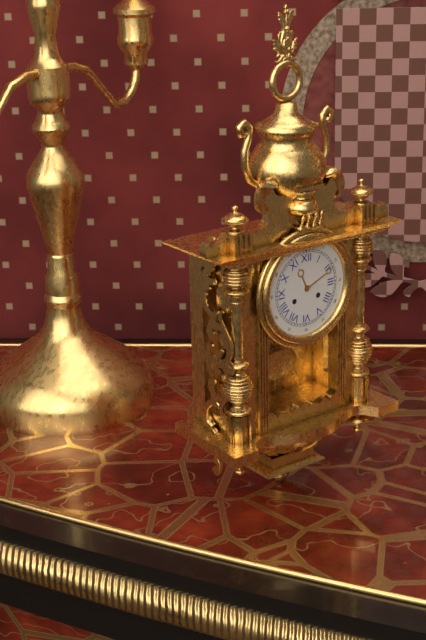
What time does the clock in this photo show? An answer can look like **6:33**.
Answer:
**11:11**
